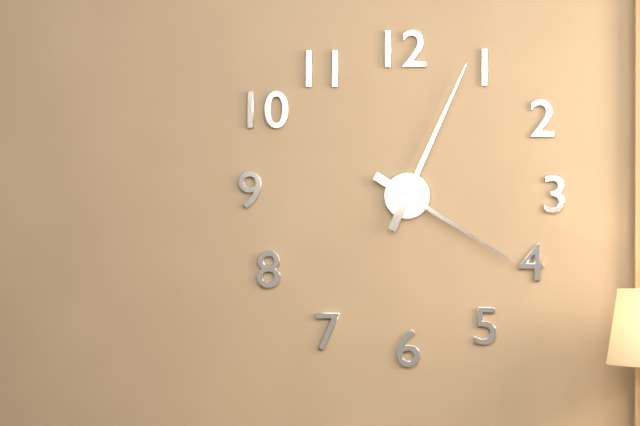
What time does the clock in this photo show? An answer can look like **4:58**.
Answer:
**4:04**
